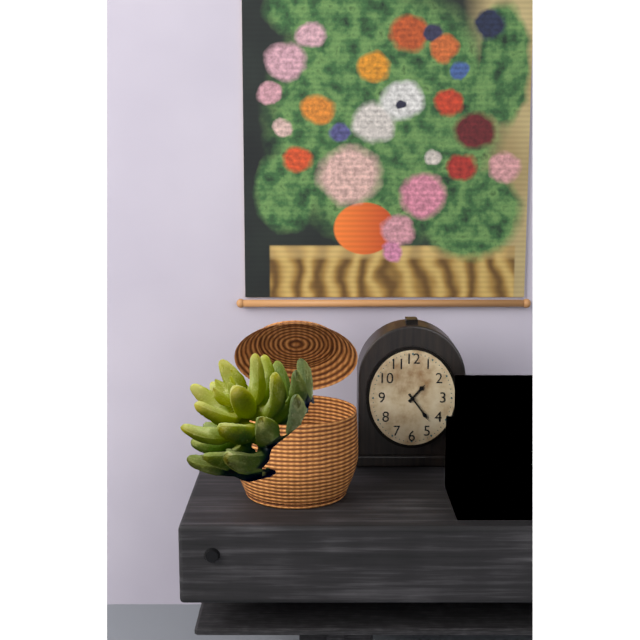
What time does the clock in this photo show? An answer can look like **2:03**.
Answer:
**1:24**
